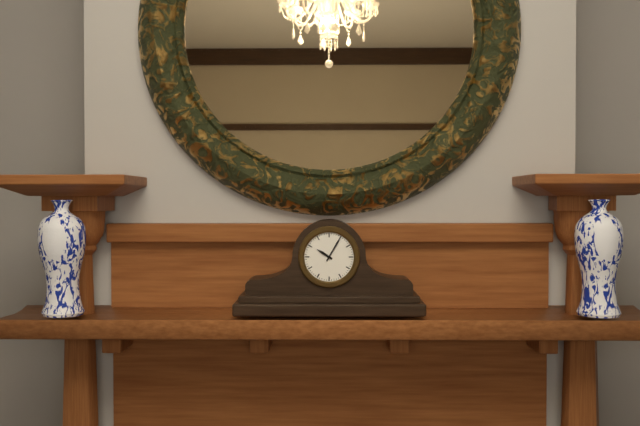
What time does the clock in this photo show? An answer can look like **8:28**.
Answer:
**10:05**
